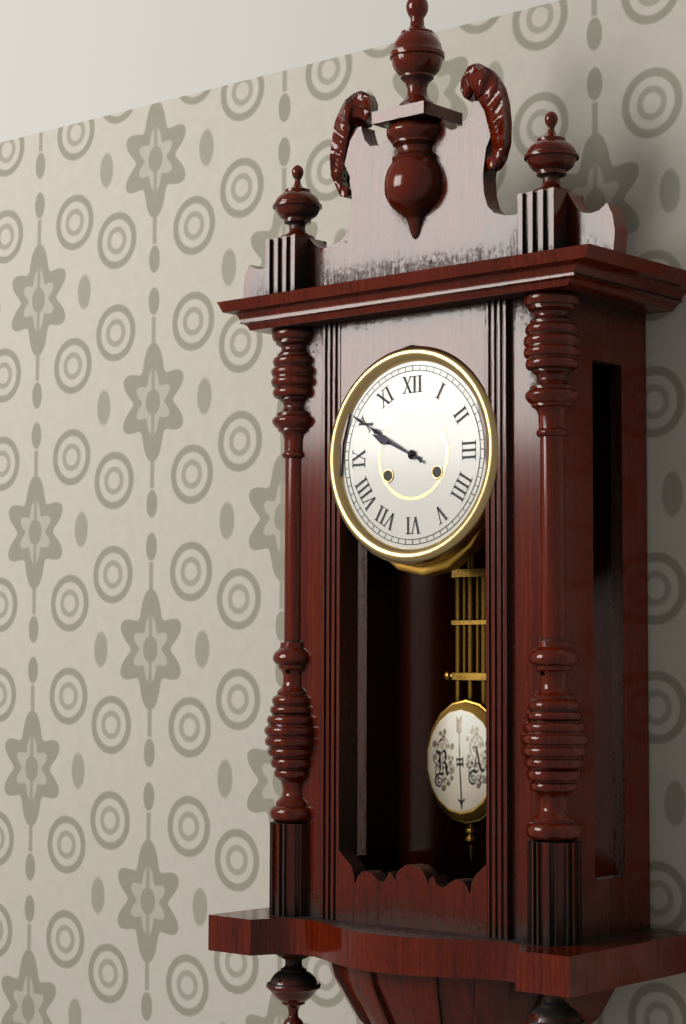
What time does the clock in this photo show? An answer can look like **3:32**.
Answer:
**9:50**
